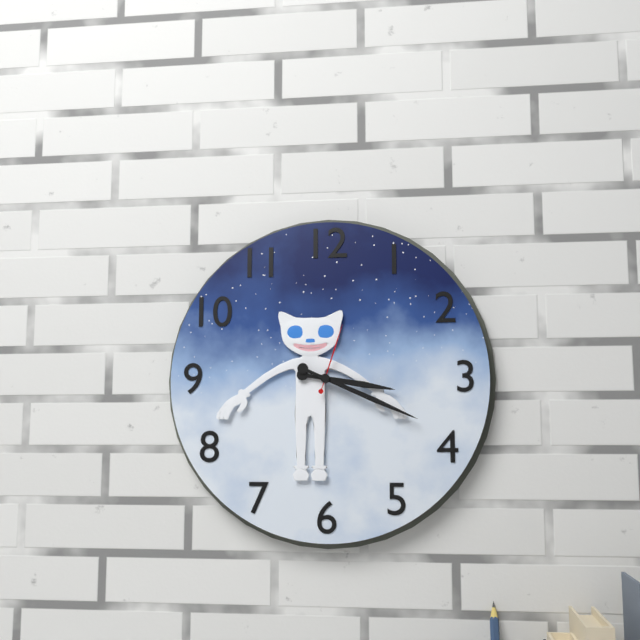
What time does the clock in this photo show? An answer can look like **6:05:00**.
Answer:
**3:19:03**
